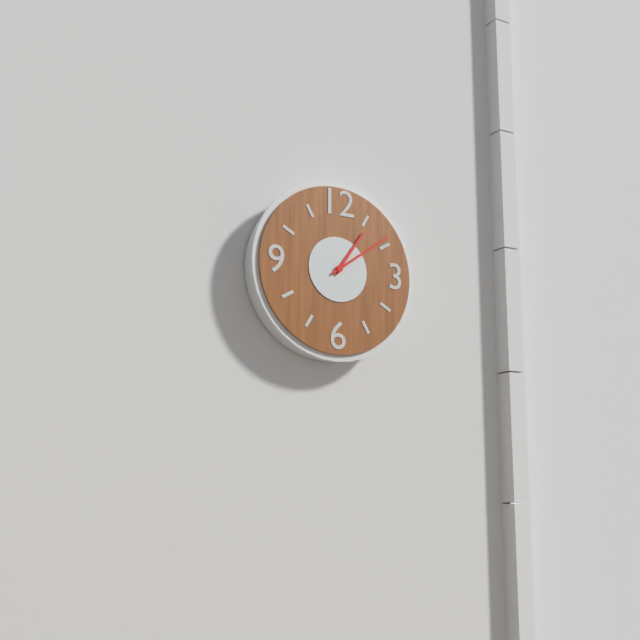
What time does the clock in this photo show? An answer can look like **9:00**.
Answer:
**1:09**
